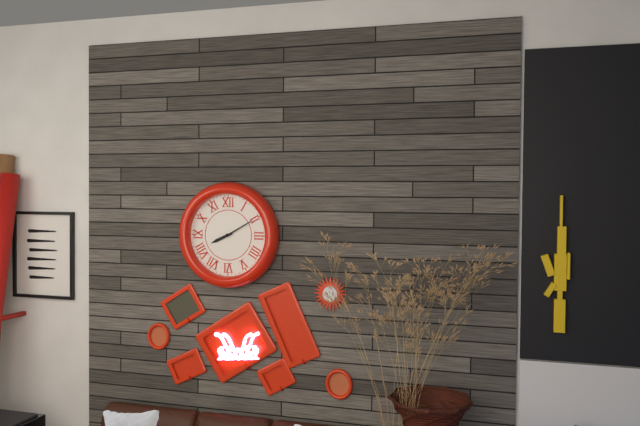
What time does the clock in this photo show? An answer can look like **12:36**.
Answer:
**8:10**
